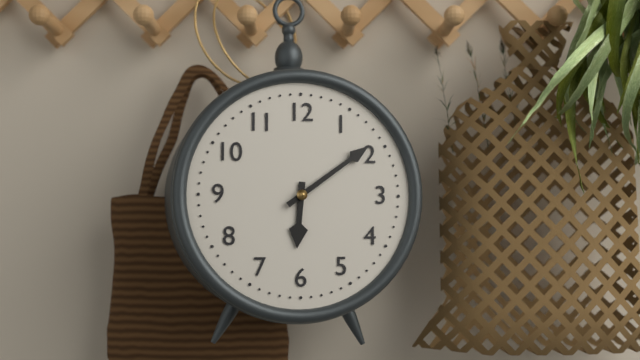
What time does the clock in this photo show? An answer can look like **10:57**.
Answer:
**6:09**
